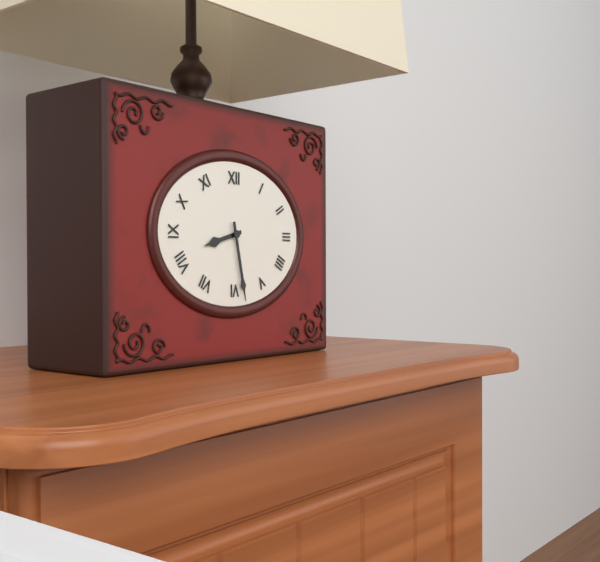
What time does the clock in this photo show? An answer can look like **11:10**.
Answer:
**8:28**
